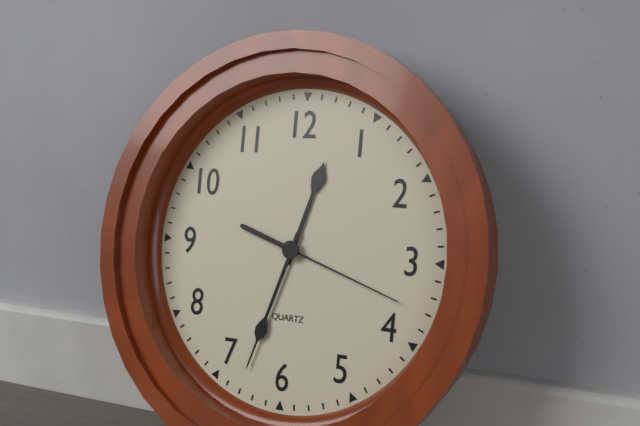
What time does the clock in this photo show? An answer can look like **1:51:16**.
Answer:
**12:33:18**
